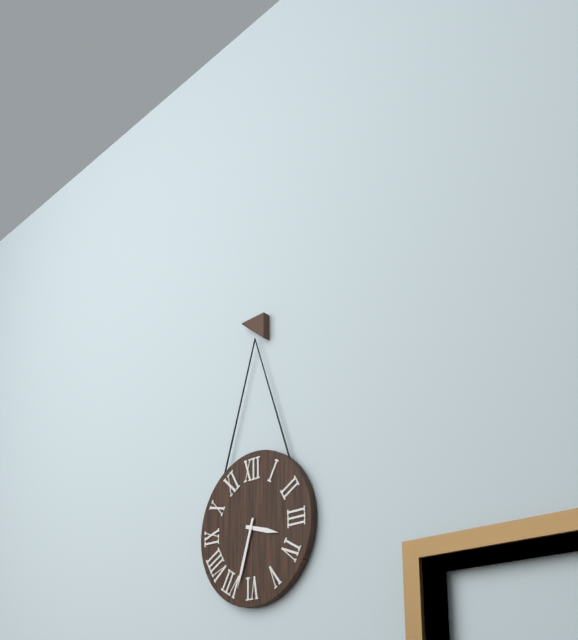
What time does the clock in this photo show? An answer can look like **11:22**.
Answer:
**3:33**
